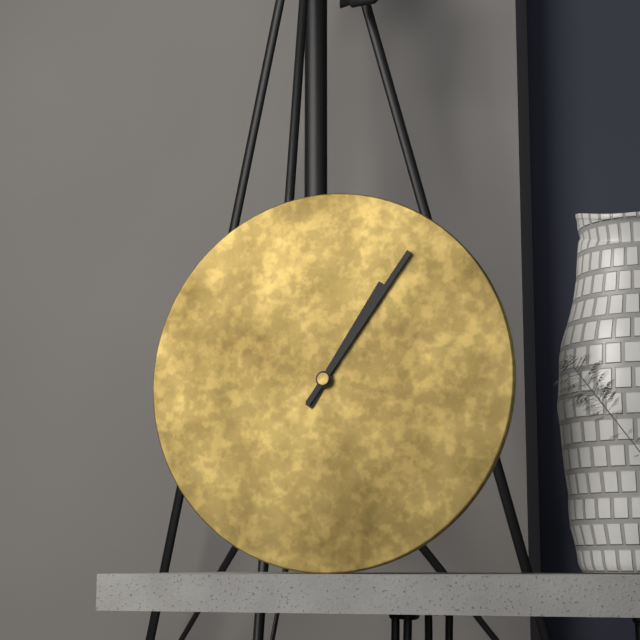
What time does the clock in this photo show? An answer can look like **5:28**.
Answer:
**1:06**
